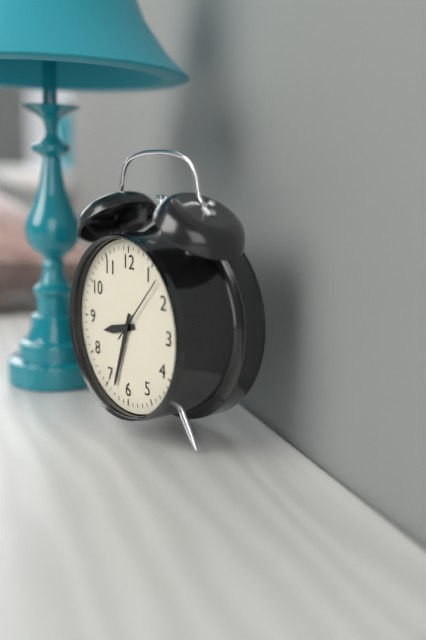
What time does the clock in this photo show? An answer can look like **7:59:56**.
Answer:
**8:33:07**
